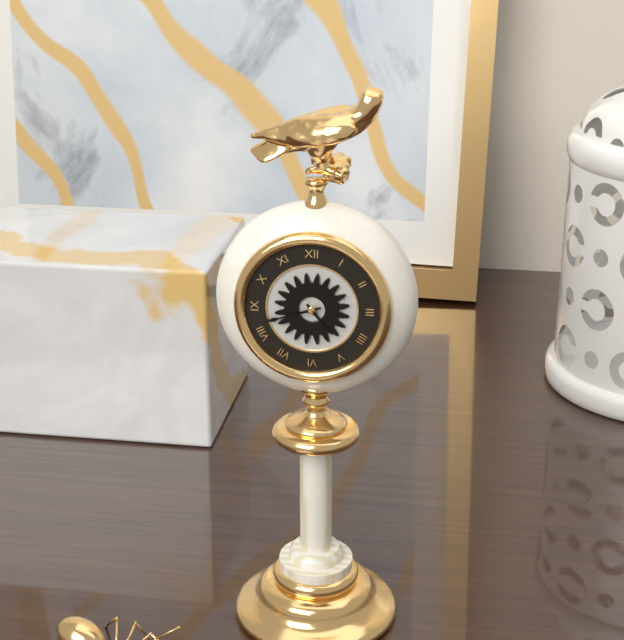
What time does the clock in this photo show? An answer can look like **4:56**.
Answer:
**4:42**
